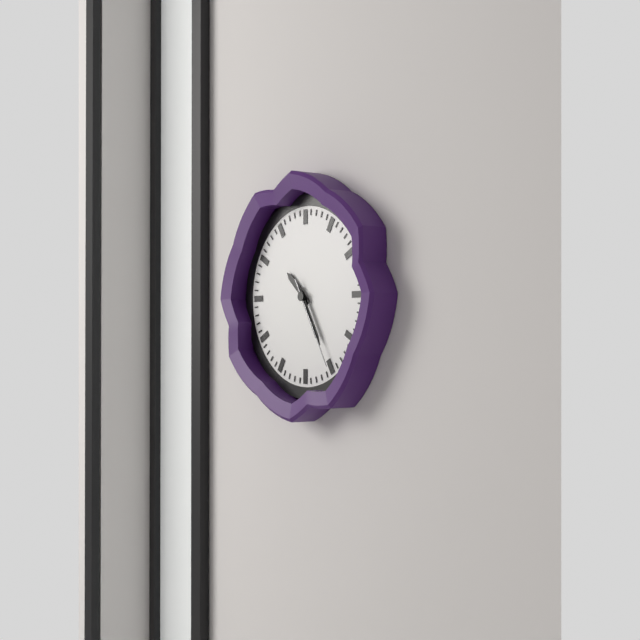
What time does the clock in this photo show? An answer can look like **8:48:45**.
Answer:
**10:25:25**
